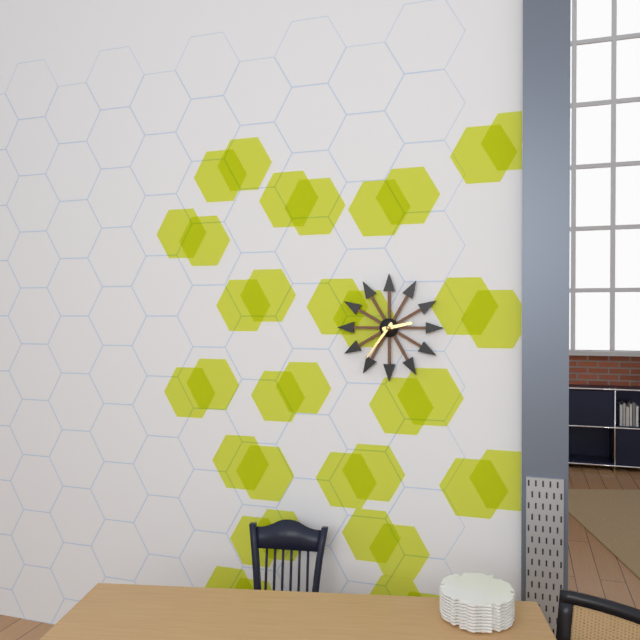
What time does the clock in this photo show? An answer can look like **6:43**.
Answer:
**2:36**
